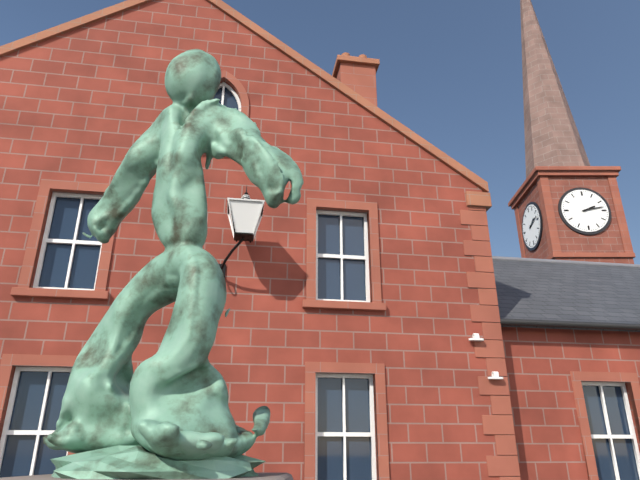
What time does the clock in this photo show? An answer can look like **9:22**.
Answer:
**2:13**
